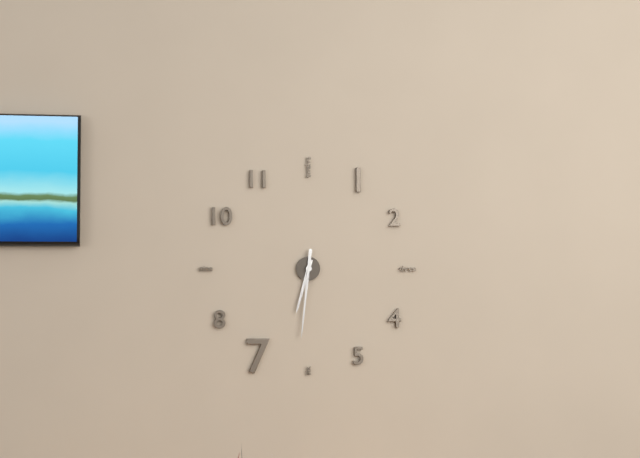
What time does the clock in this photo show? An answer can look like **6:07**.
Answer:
**6:31**
